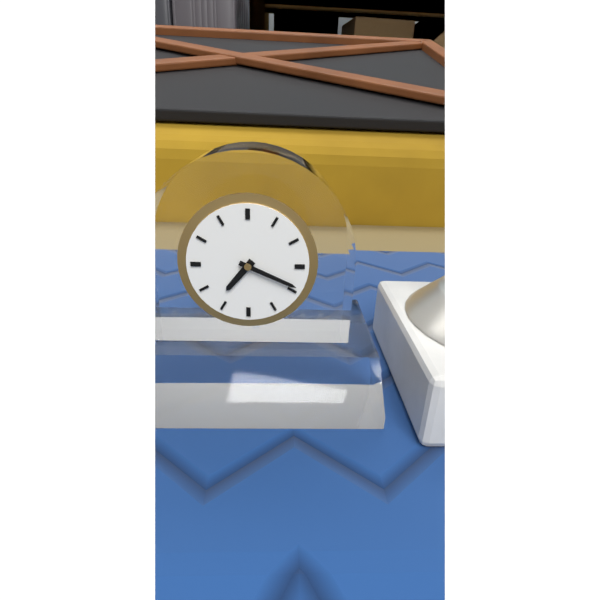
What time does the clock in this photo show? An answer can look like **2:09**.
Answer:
**7:19**
